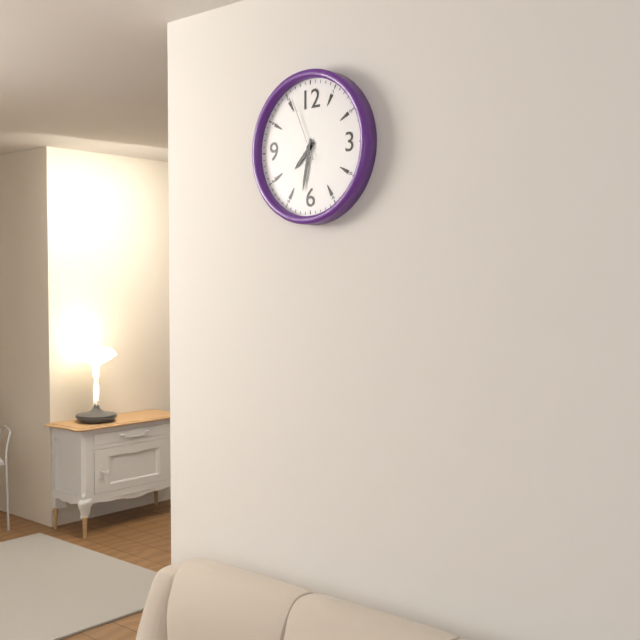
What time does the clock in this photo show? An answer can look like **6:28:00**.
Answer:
**7:32:56**
